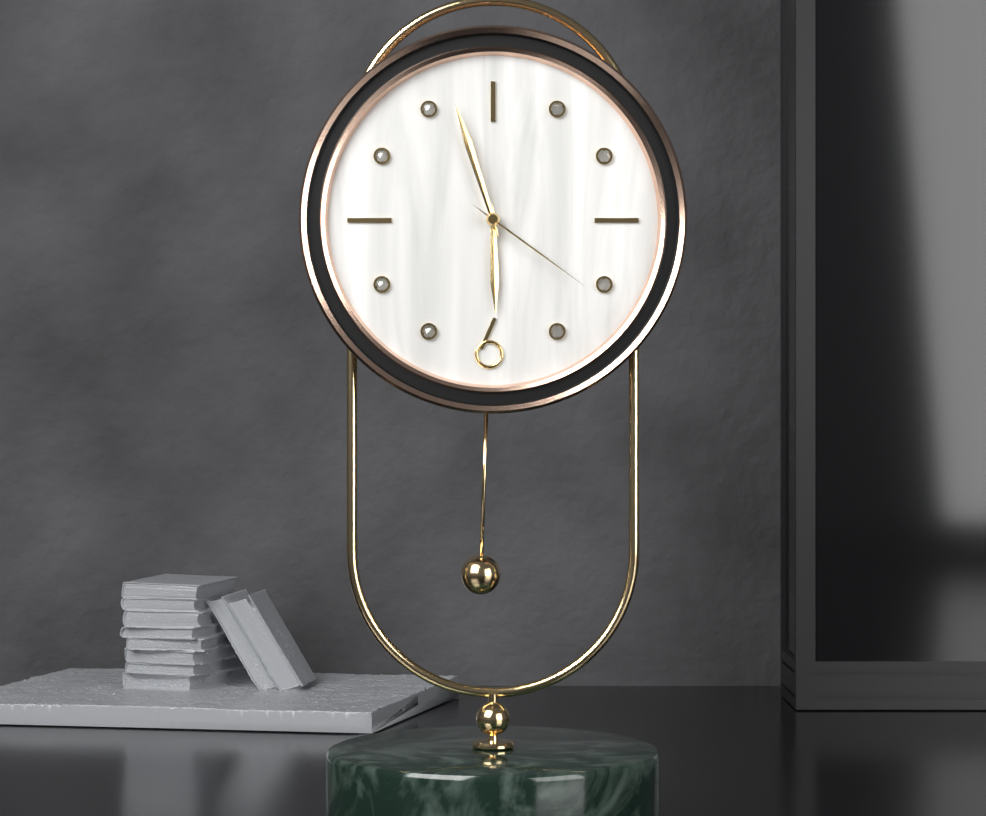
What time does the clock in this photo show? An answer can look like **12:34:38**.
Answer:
**5:57:21**
